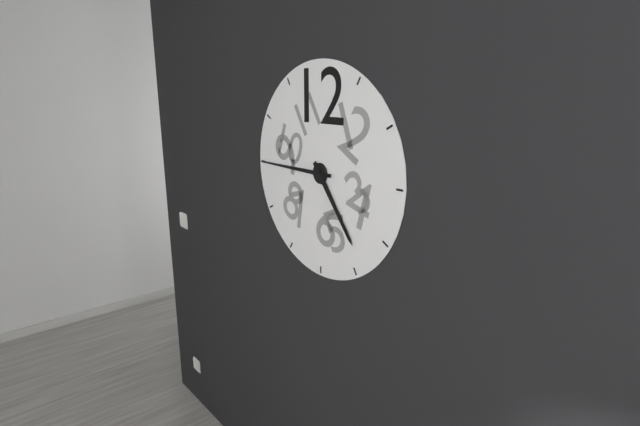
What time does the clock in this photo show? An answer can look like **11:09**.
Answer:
**4:45**
